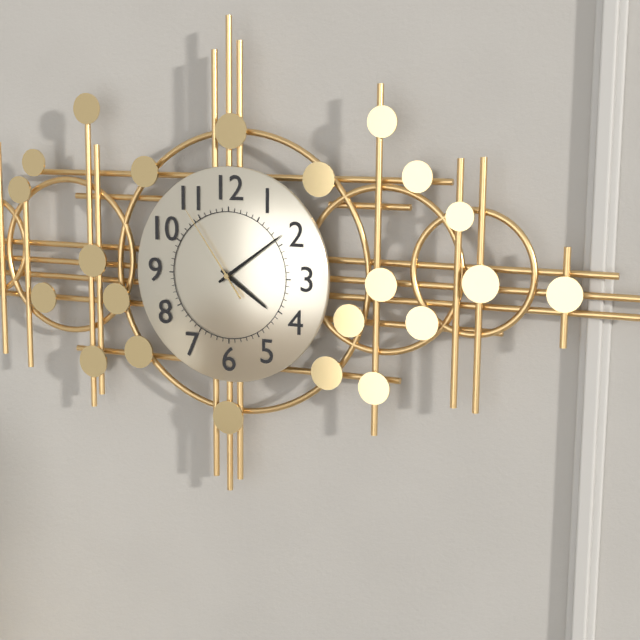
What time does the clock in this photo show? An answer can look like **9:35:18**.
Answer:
**4:09:54**
